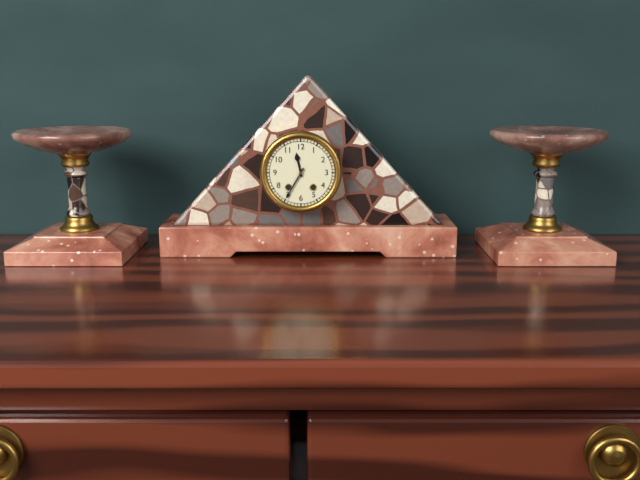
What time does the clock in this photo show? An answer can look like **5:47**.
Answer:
**11:35**
